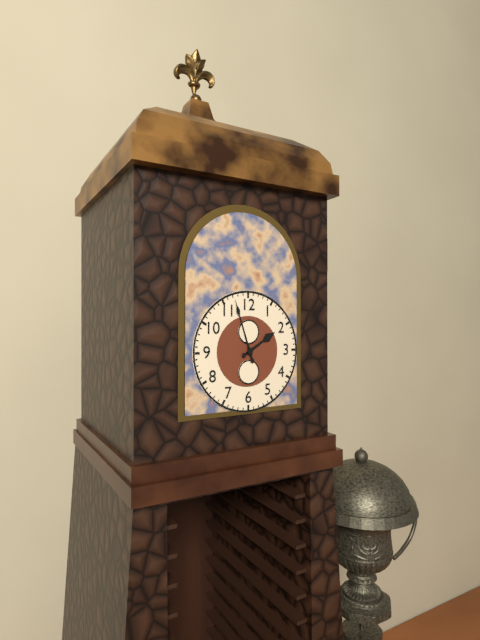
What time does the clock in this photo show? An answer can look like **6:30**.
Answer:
**1:57**
